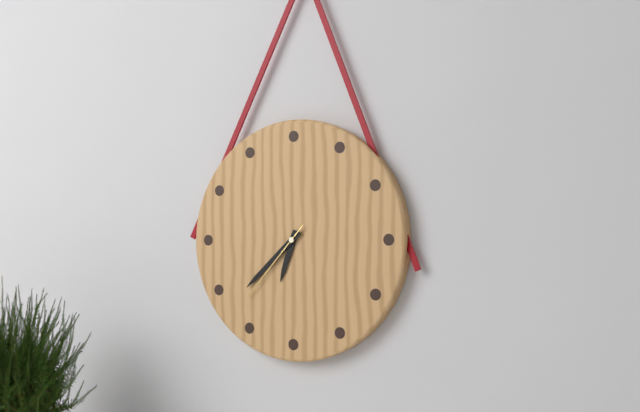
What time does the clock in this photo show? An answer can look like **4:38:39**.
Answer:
**6:38:37**
